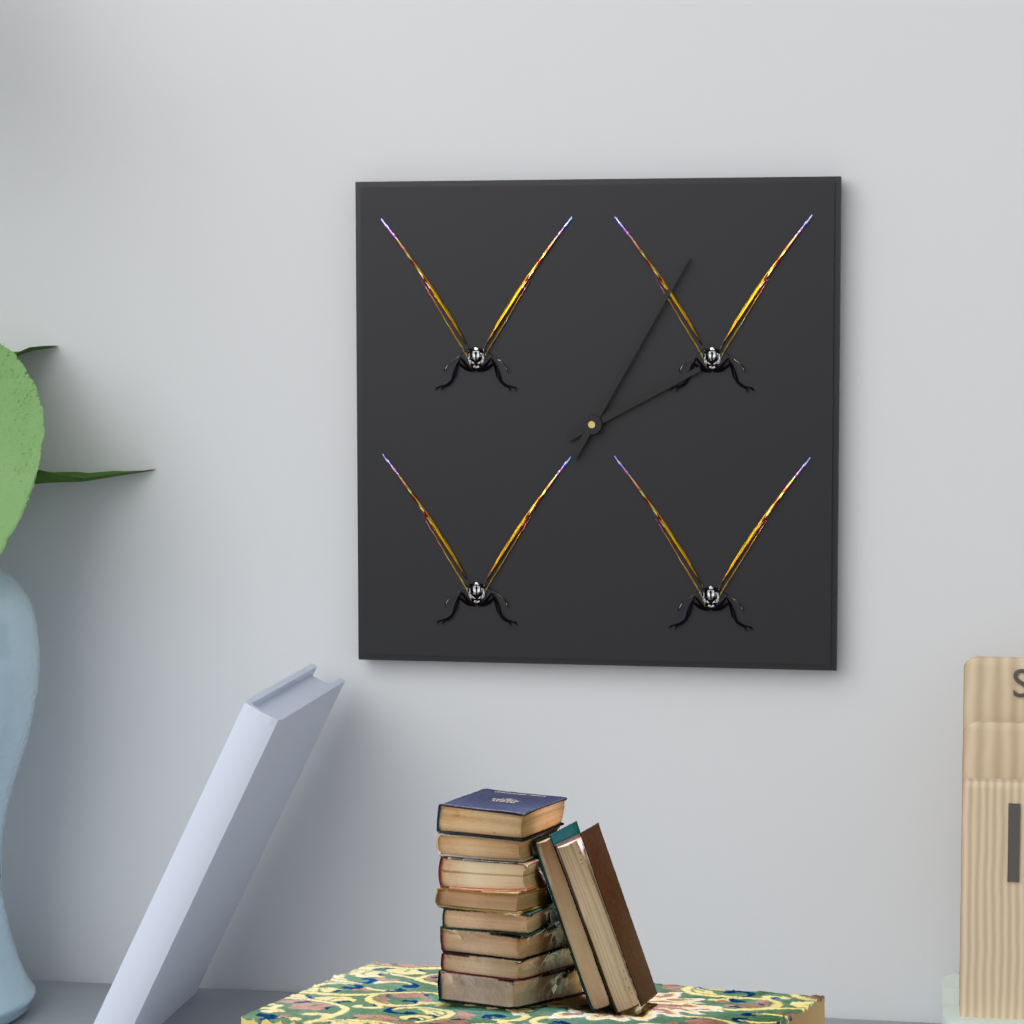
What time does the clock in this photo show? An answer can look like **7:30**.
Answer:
**2:05**
